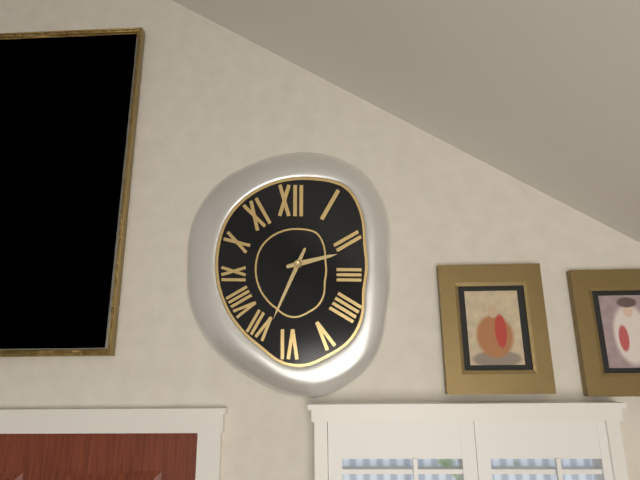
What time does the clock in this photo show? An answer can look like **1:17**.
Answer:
**2:34**
